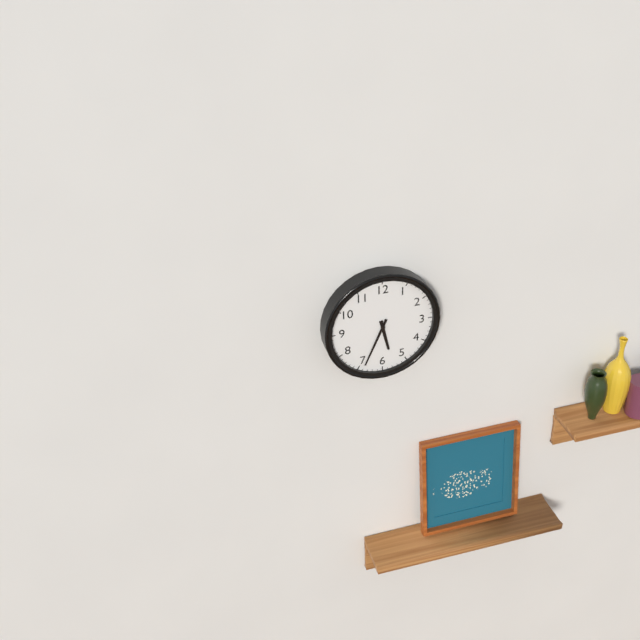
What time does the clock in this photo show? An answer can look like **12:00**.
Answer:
**5:34**
